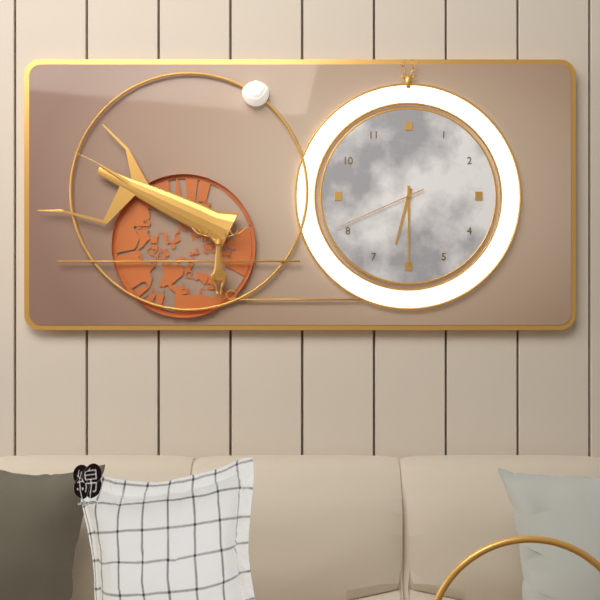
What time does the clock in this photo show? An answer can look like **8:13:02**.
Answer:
**6:30:41**
